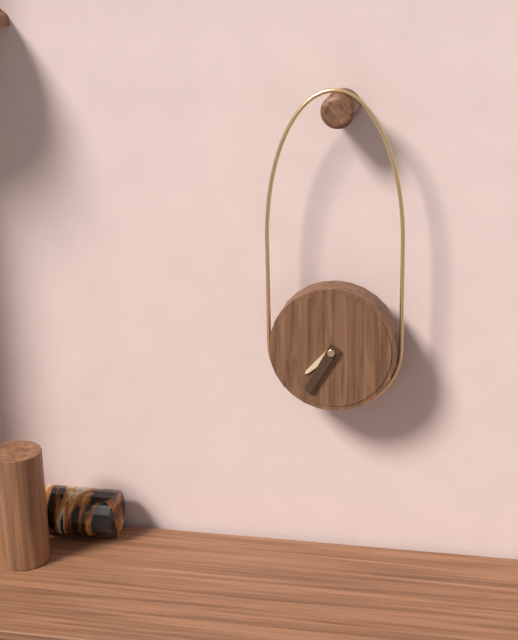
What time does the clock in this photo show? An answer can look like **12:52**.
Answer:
**7:35**
